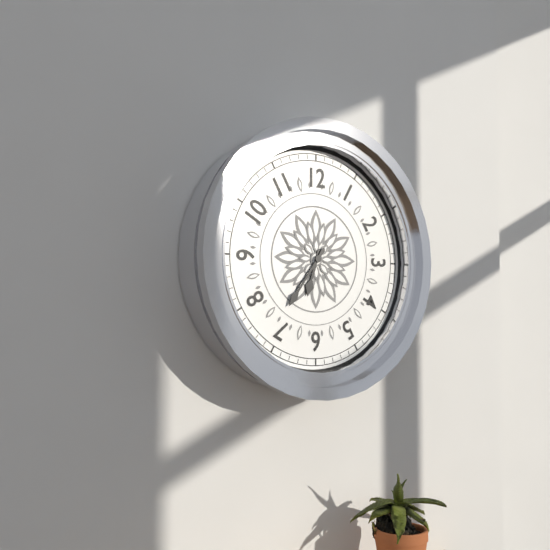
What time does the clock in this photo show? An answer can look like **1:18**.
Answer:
**6:36**
